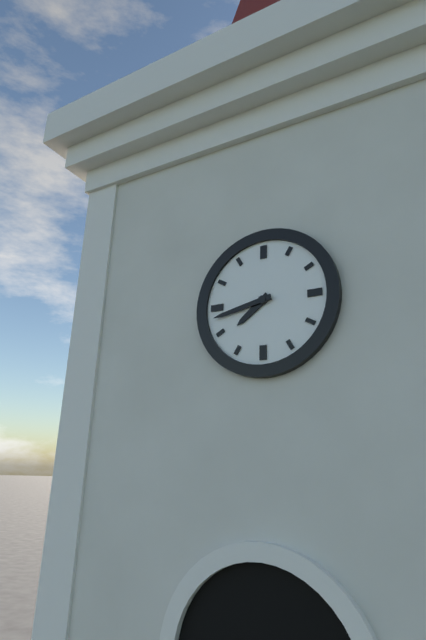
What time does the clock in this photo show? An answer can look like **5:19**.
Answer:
**7:43**
